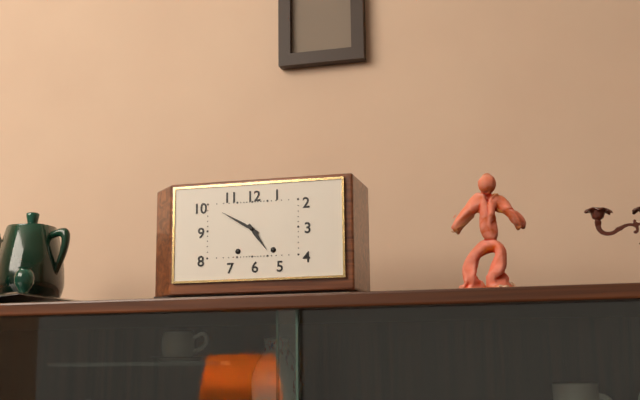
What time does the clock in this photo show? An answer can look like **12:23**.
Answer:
**4:50**
